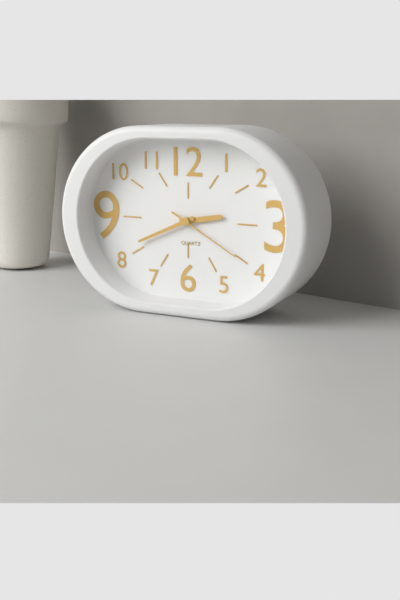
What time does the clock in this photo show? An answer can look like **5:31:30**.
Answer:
**2:41:20**
